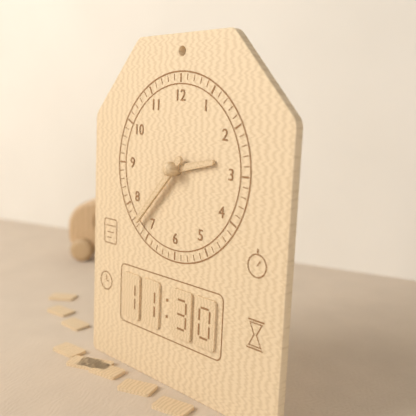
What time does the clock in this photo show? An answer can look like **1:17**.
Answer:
**2:37**
